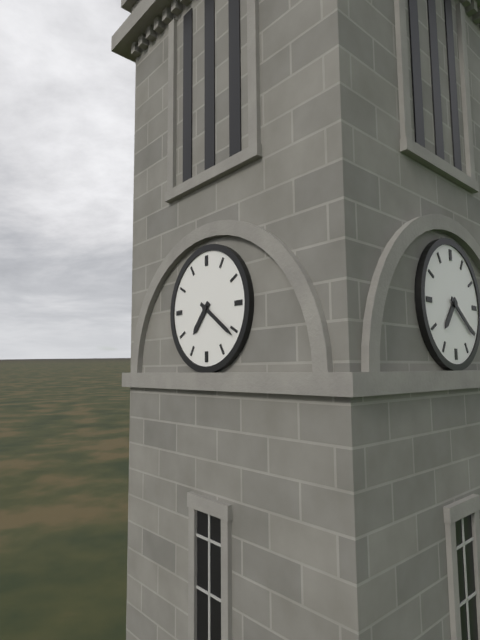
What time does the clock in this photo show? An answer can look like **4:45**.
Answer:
**7:21**
